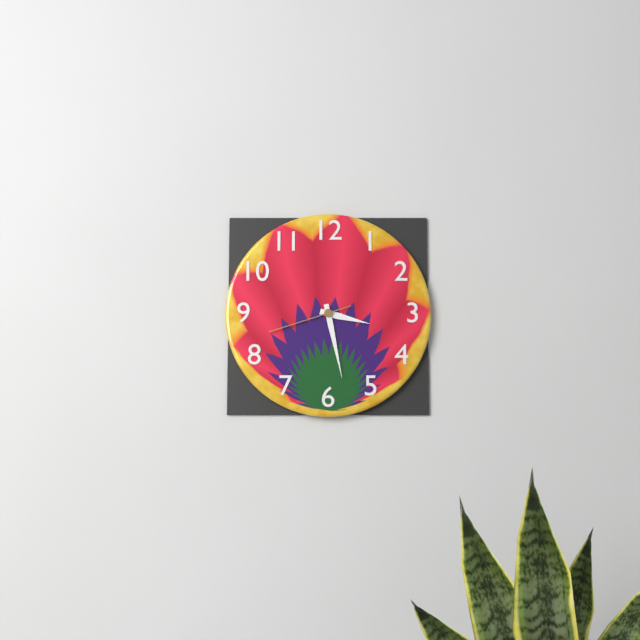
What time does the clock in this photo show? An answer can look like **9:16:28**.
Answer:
**3:28:42**
